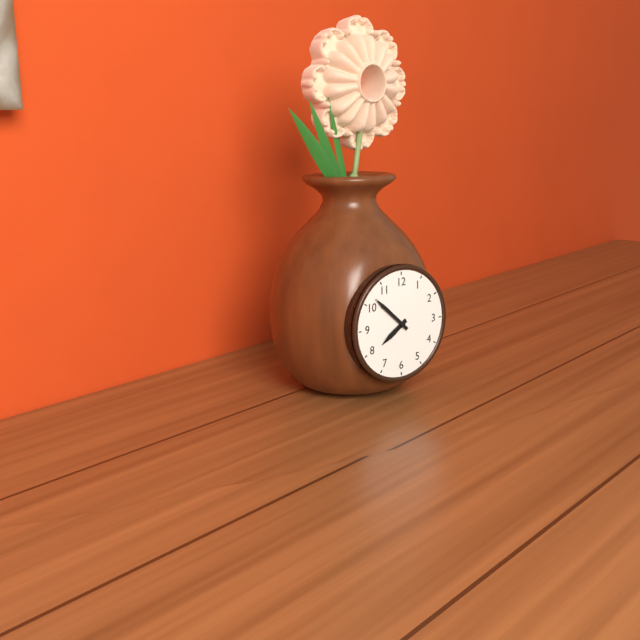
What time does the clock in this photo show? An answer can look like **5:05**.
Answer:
**7:52**
